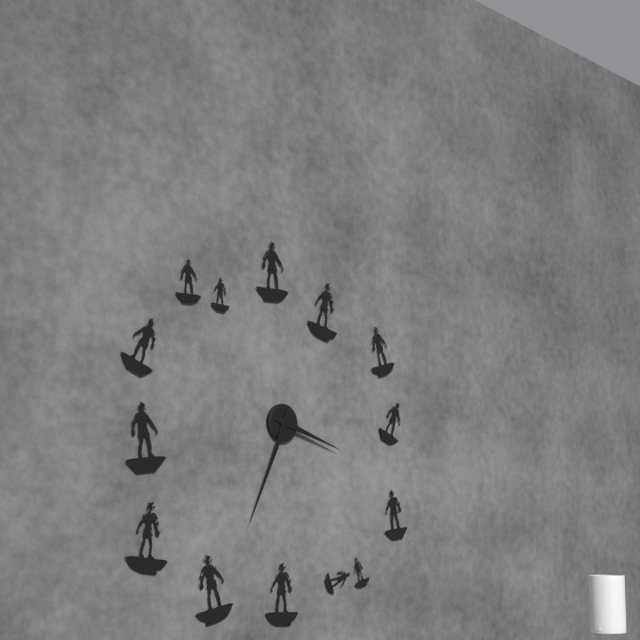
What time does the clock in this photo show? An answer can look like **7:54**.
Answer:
**3:34**
